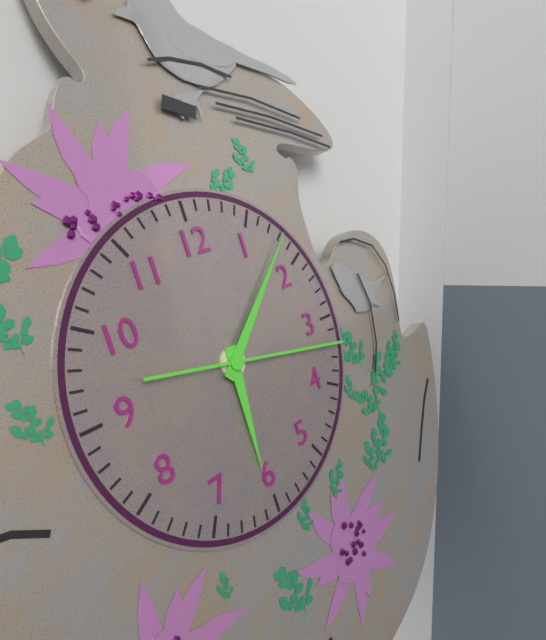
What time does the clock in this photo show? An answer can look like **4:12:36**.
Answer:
**6:08:17**
